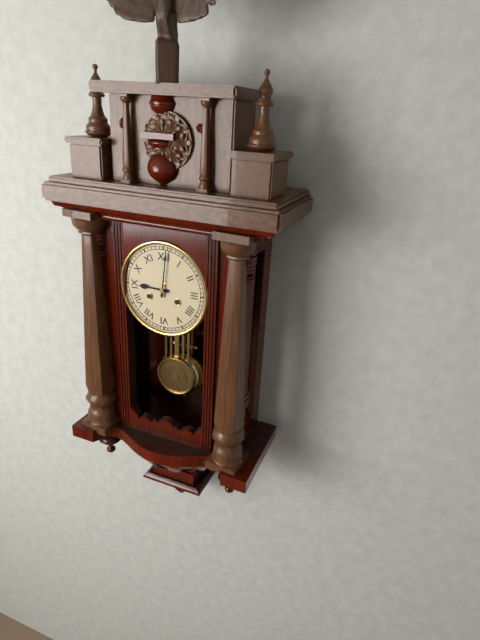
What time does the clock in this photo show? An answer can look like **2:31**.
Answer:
**9:01**
